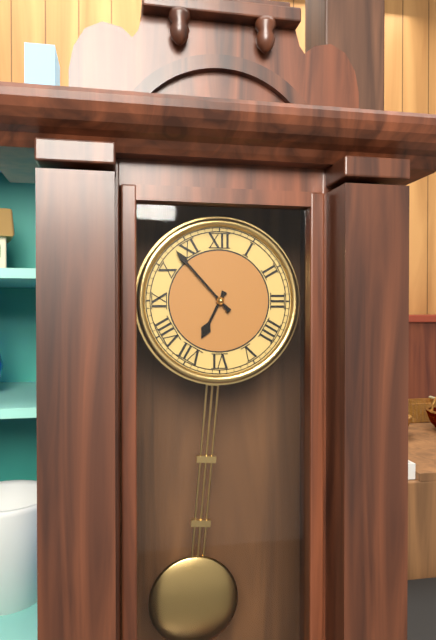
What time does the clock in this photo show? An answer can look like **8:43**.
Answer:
**6:53**
